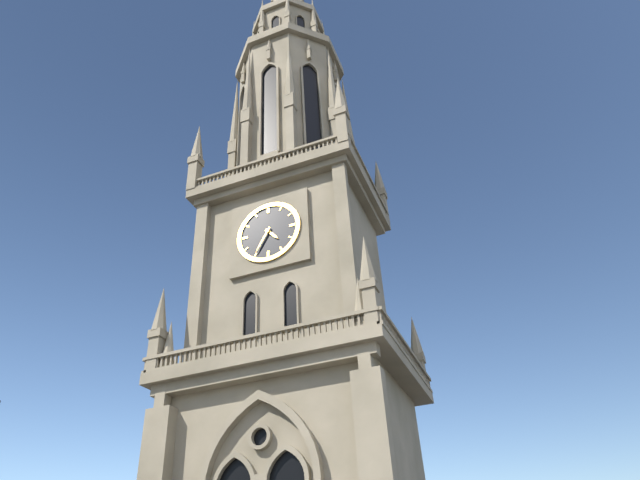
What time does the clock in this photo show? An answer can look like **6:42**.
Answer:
**4:35**
